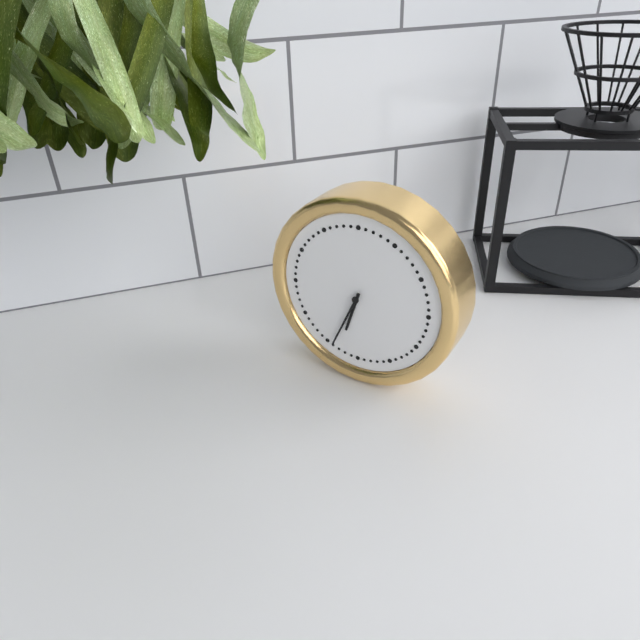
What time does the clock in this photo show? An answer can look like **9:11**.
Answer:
**6:34**
